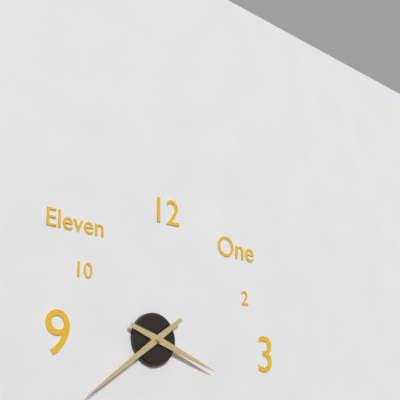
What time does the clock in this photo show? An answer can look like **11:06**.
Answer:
**3:39**
